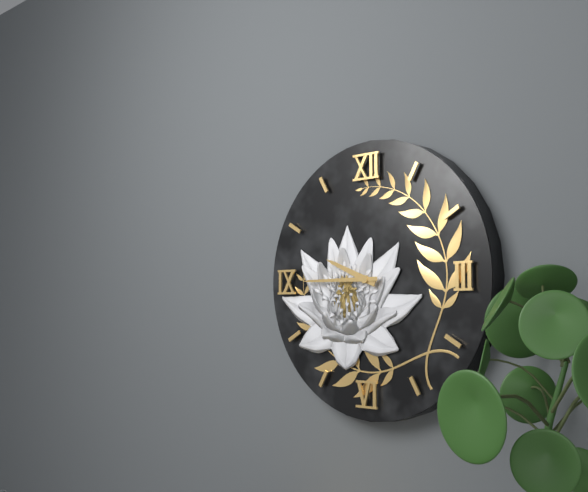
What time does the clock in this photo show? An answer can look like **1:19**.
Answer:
**9:45**
